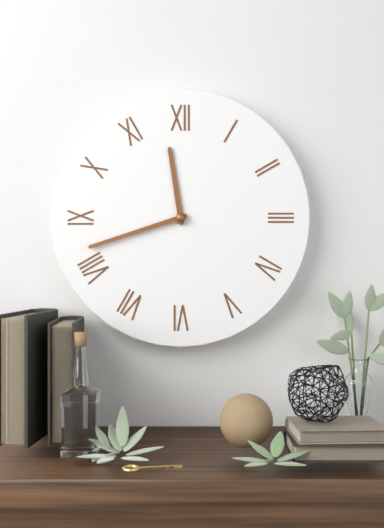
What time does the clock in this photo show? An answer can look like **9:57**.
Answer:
**11:42**
